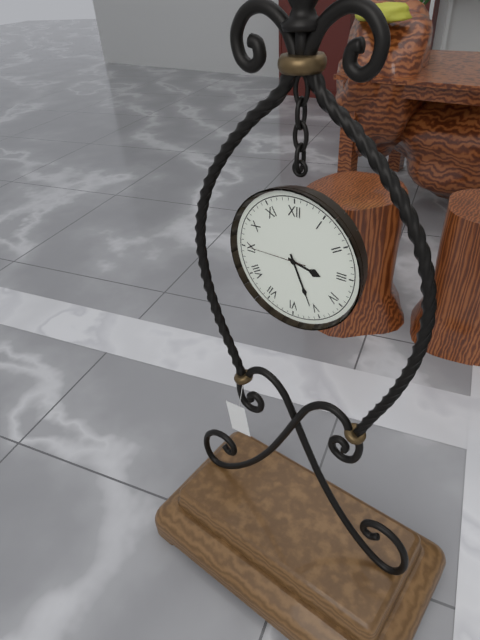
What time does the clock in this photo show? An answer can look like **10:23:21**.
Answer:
**3:26:45**
